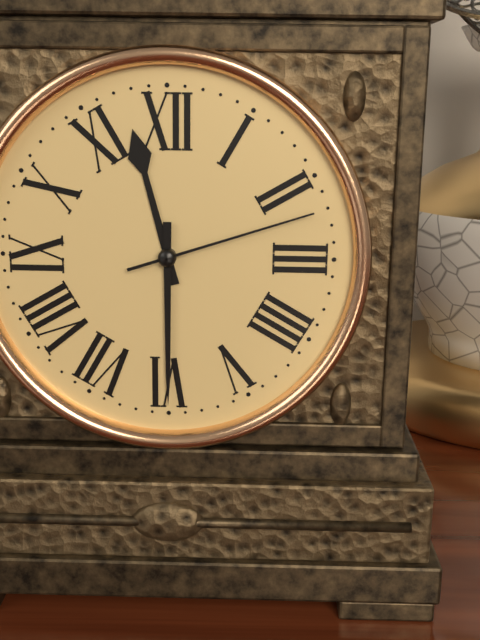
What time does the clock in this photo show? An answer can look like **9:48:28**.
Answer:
**11:30:12**
